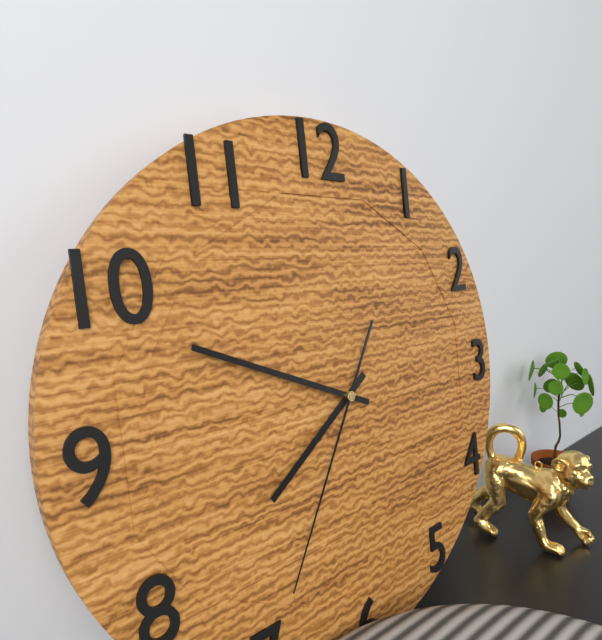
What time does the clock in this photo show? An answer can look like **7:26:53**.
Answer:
**7:49:35**
